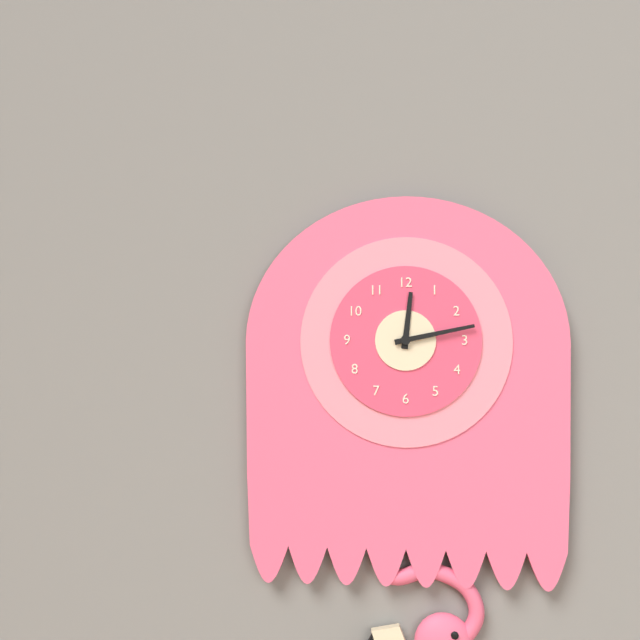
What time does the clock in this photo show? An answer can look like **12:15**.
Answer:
**12:13**
